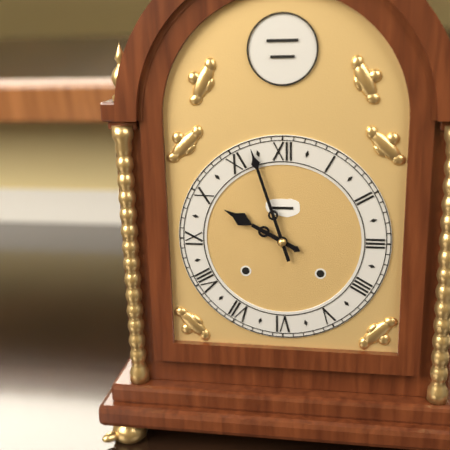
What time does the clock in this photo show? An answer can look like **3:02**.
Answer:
**9:57**
